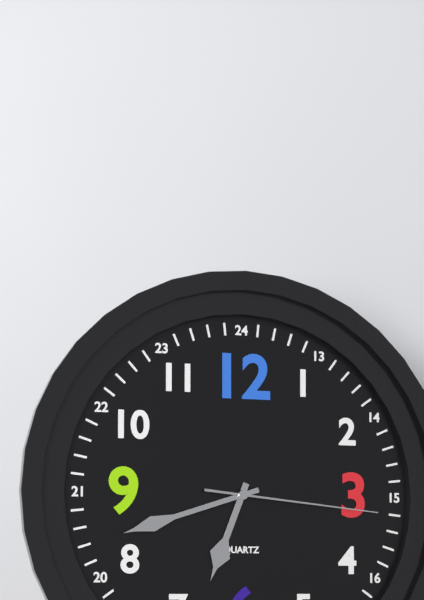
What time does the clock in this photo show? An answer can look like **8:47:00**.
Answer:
**6:42:16**
